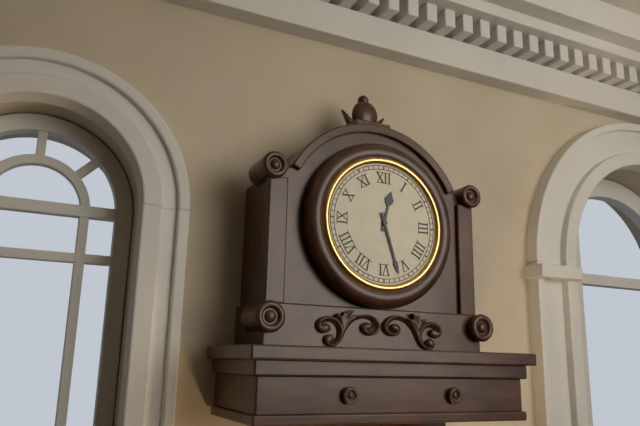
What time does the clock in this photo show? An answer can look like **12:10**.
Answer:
**12:27**
